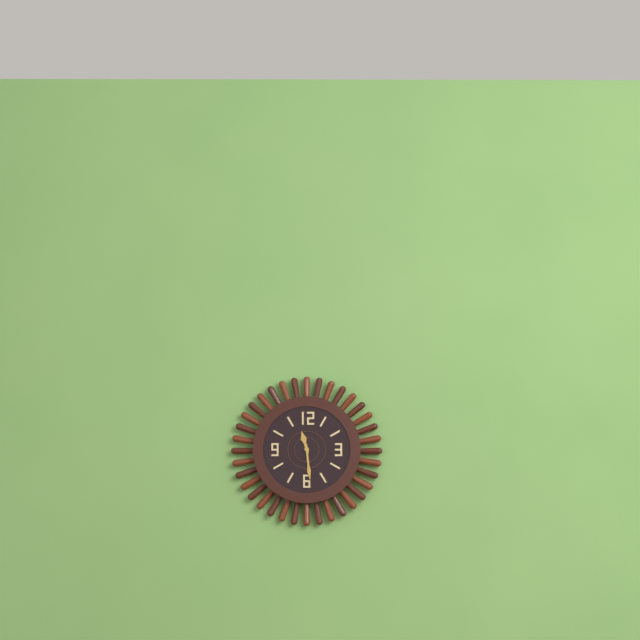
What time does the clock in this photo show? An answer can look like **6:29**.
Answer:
**11:29**
